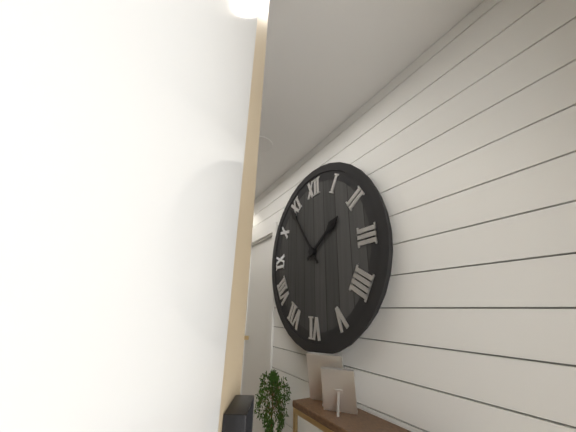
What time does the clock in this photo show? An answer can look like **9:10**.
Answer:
**1:54**
